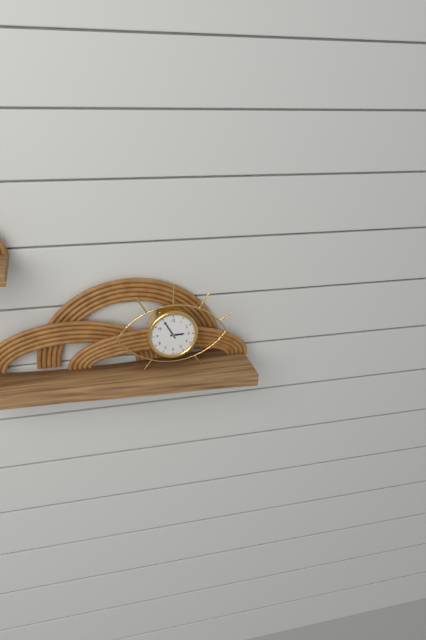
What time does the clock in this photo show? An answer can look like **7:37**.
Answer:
**2:55**
